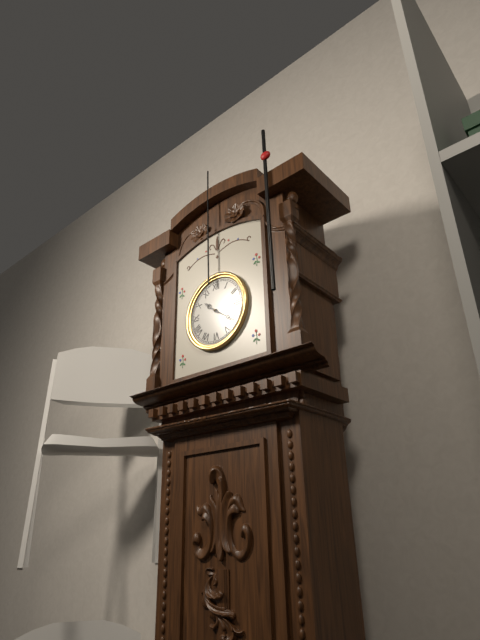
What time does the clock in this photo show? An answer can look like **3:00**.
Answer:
**10:21**
